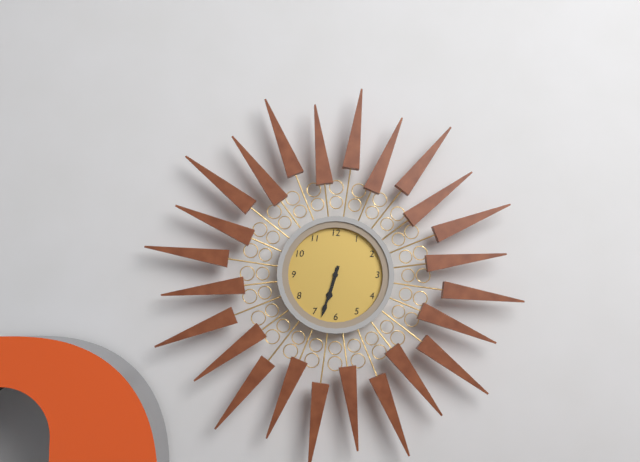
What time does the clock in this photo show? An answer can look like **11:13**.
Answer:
**6:33**
